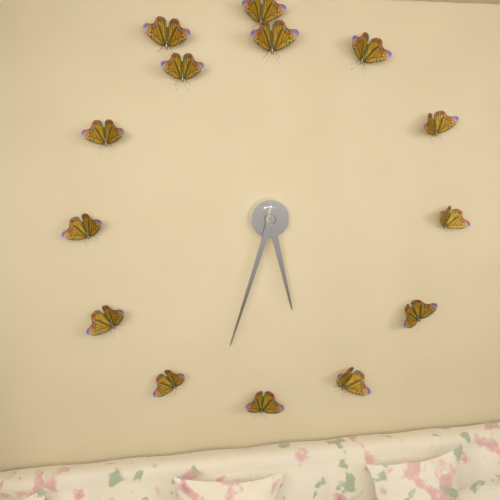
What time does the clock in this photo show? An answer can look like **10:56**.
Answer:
**5:33**
